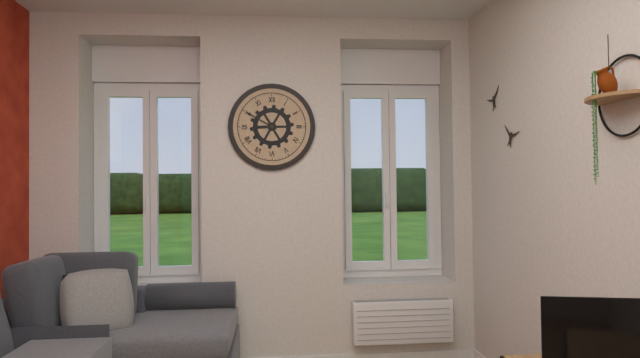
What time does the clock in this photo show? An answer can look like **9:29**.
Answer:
**8:50**
